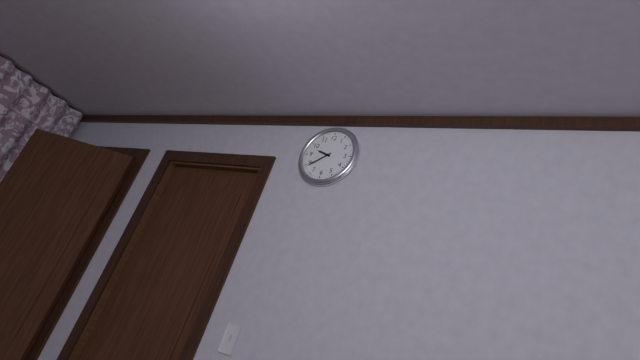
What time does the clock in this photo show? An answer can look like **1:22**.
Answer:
**9:39**
